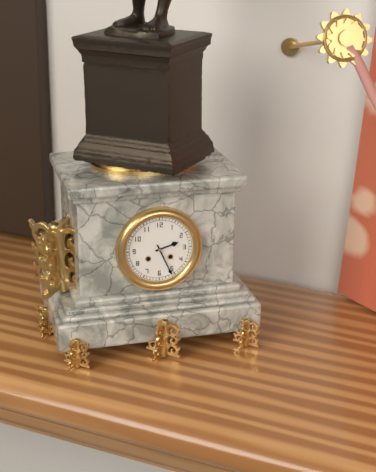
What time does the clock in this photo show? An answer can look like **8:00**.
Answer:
**2:26**
